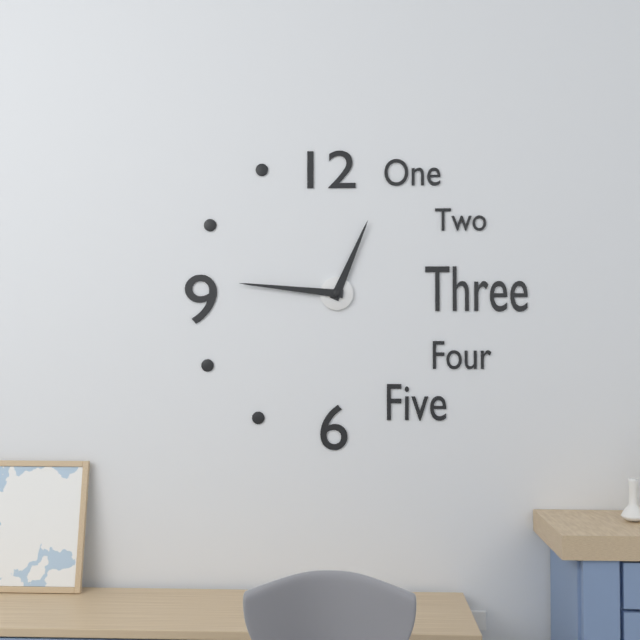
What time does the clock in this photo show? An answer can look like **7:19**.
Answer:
**12:46**
